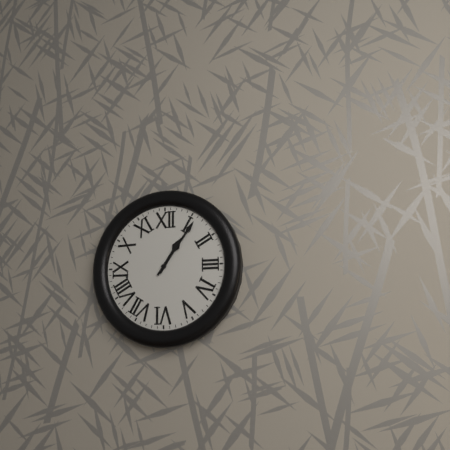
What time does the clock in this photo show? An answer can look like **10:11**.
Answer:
**1:06**
